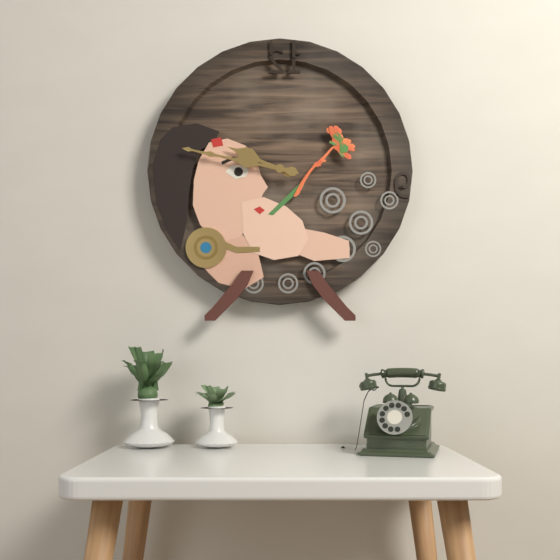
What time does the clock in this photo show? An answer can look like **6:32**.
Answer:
**9:47**
